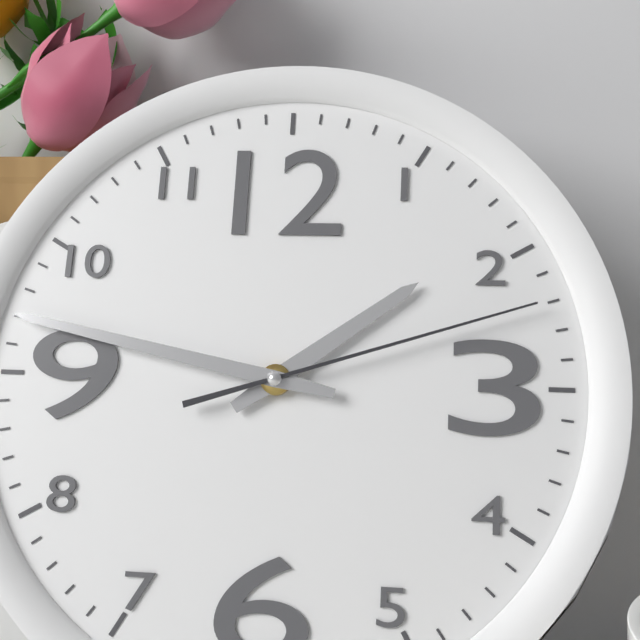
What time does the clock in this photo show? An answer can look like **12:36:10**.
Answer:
**1:47:12**
